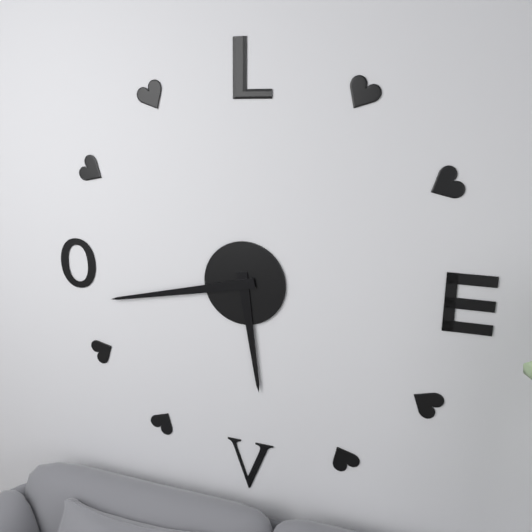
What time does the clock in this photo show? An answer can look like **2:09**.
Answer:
**5:43**
